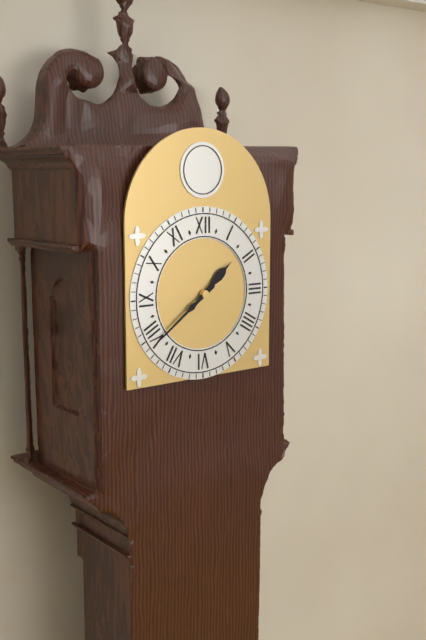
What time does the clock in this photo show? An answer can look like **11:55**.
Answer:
**1:39**
